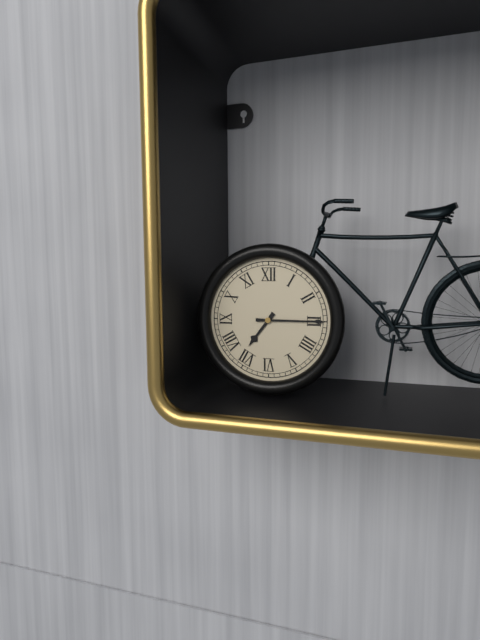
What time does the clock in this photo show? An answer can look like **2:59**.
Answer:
**7:15**
